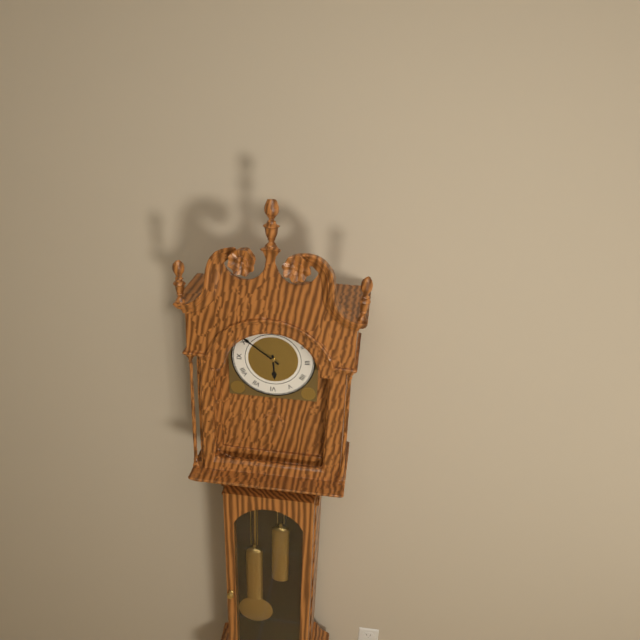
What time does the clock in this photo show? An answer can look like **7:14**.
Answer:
**5:51**
